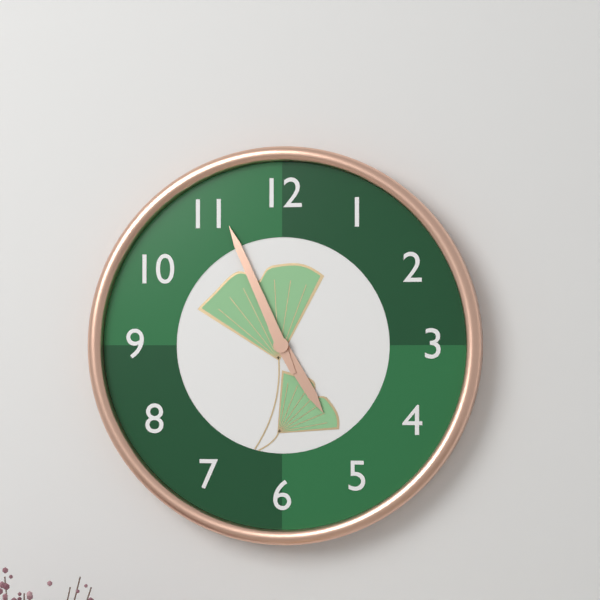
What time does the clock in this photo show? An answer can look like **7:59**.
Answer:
**4:56**
